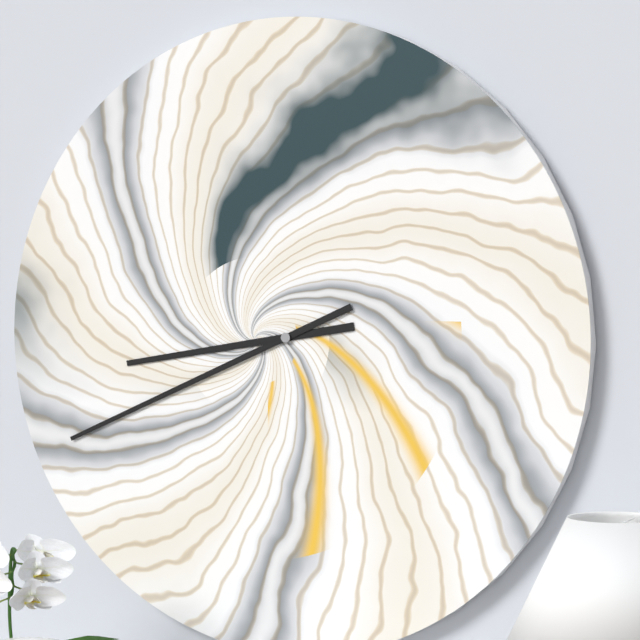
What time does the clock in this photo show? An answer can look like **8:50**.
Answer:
**8:41**
